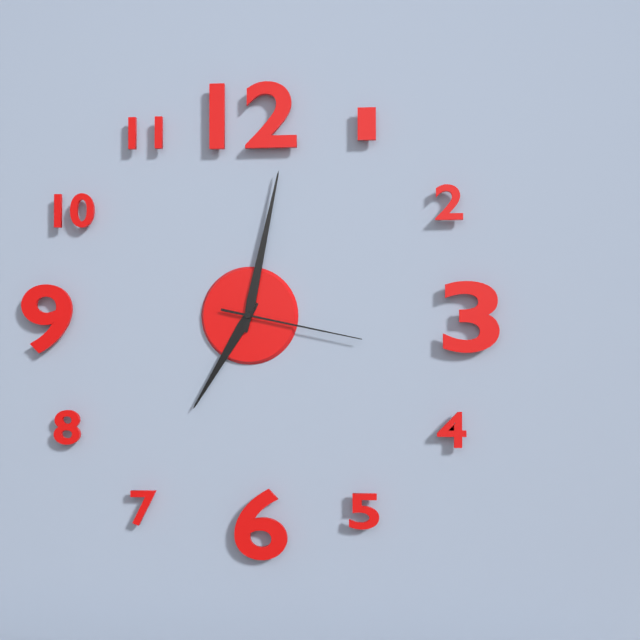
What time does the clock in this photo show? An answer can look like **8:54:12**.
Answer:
**7:02:17**
